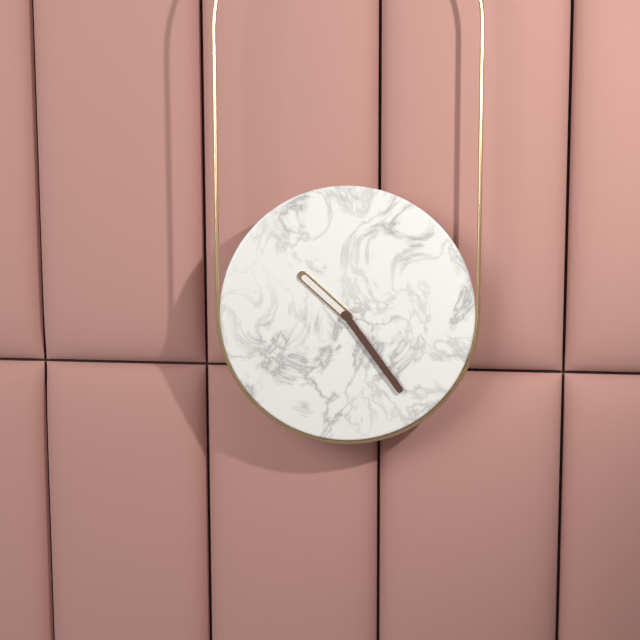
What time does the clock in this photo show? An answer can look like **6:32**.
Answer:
**10:24**
